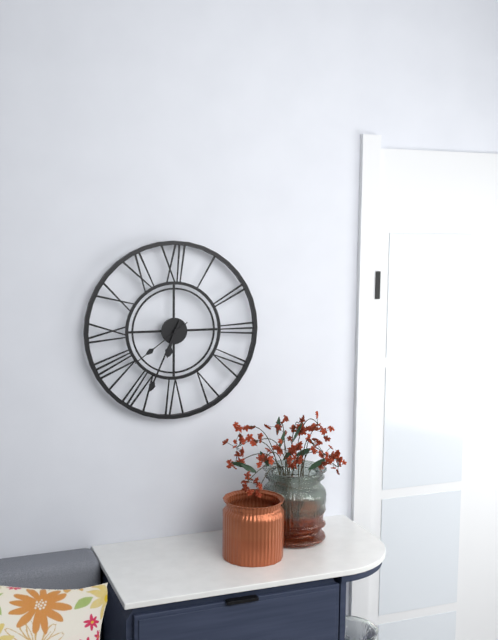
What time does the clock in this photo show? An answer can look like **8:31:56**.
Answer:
**6:34:39**
